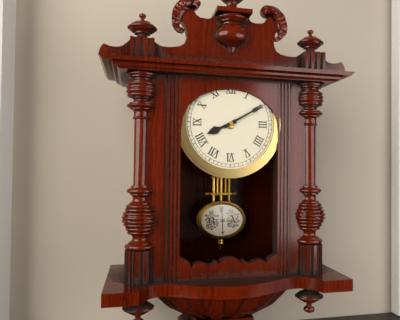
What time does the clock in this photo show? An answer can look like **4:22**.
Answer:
**8:10**
